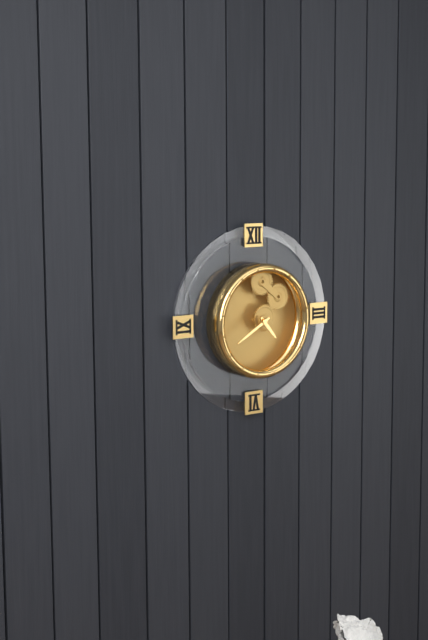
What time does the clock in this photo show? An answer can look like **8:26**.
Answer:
**4:40**
